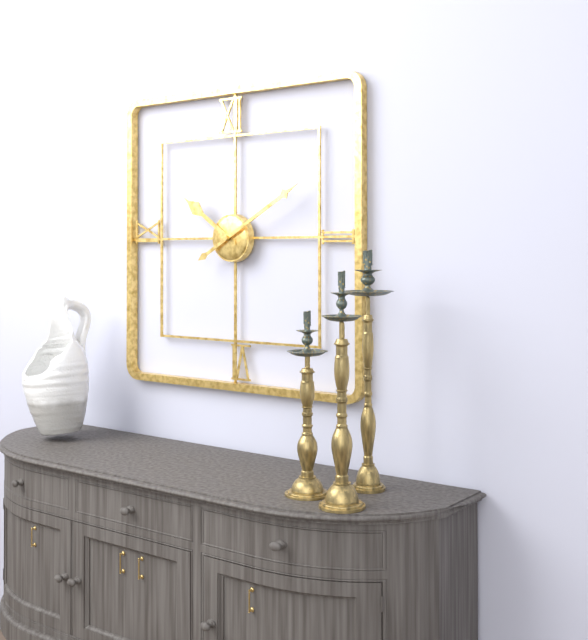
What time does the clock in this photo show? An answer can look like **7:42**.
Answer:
**10:10**
